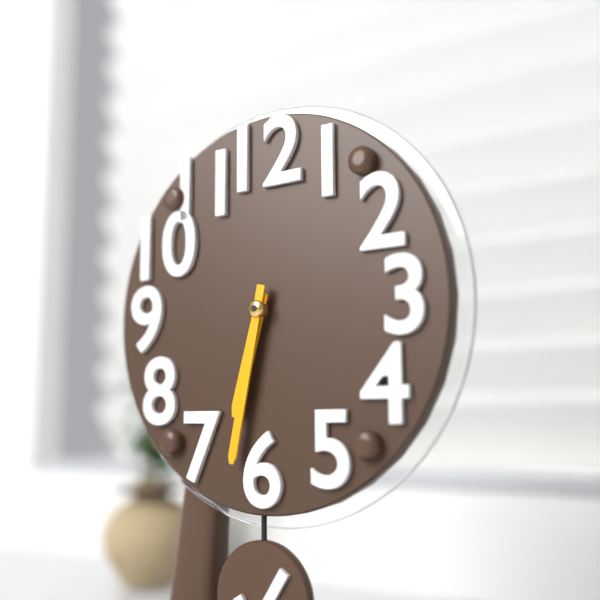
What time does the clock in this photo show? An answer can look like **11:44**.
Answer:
**6:32**
